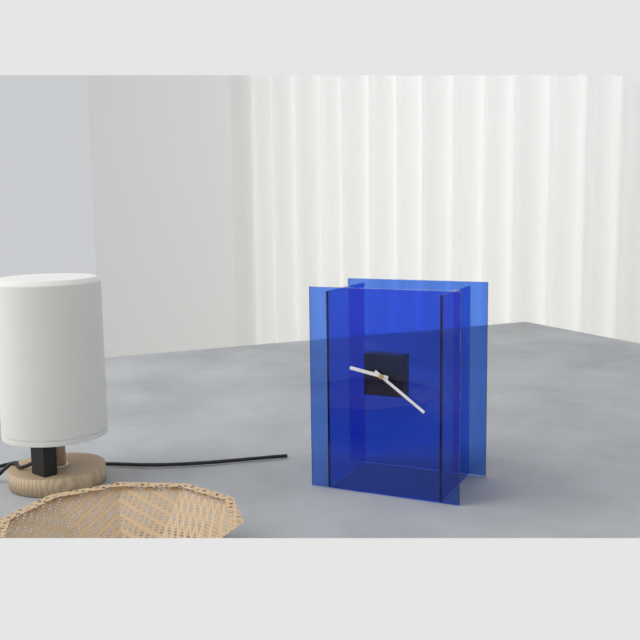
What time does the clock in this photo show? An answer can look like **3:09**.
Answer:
**9:21**
